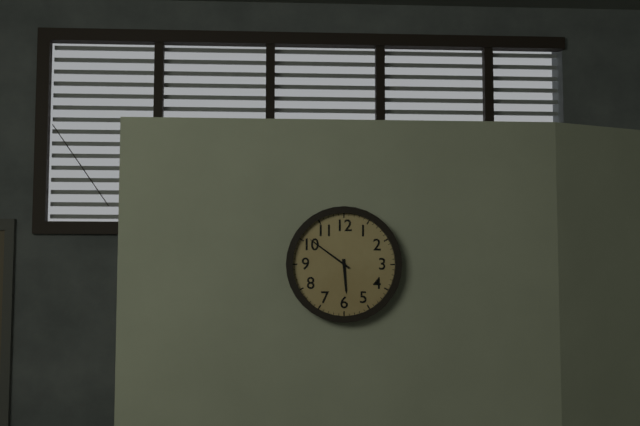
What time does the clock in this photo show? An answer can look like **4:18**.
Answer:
**5:51**
